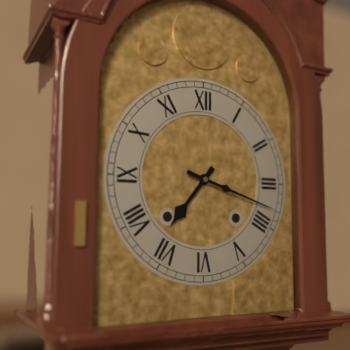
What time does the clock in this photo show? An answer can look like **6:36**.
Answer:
**7:18**
